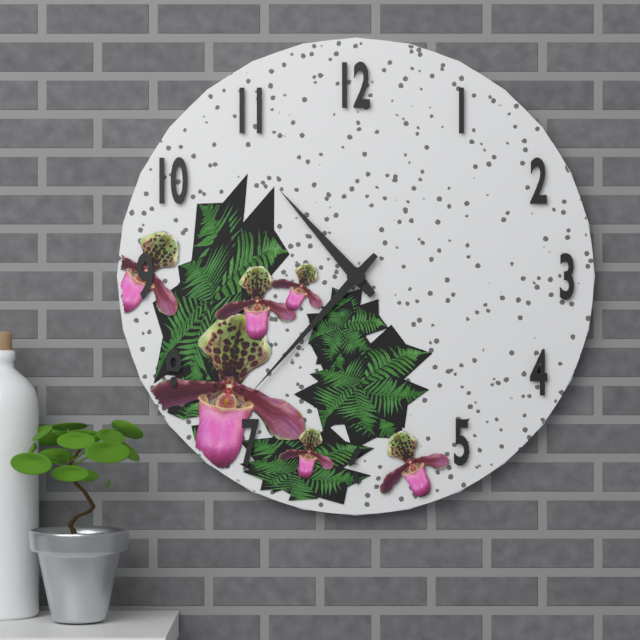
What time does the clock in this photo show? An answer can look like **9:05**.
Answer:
**10:37**
